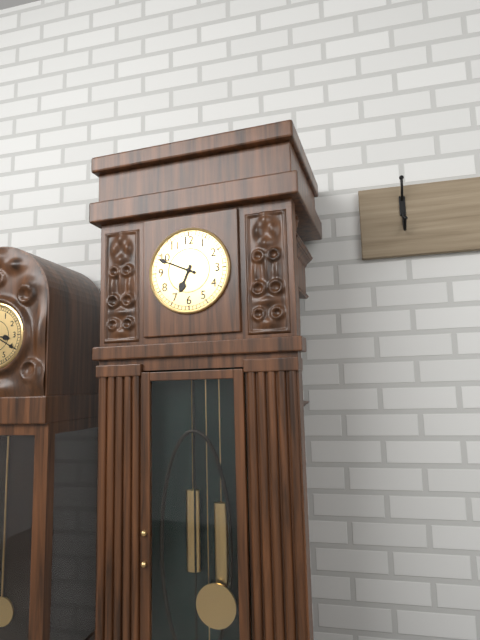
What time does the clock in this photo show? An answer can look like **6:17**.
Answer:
**6:49**
